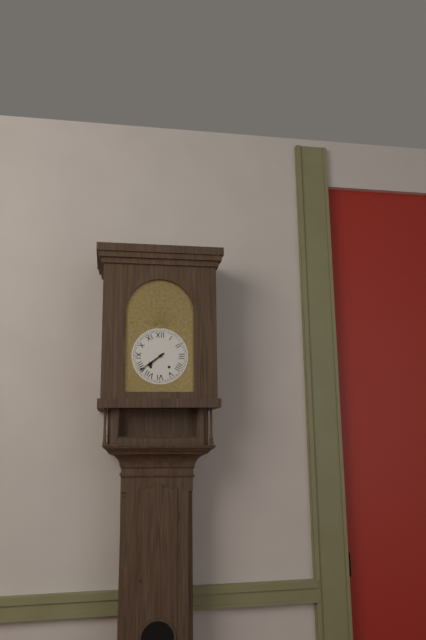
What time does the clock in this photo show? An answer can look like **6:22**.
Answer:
**7:39**
